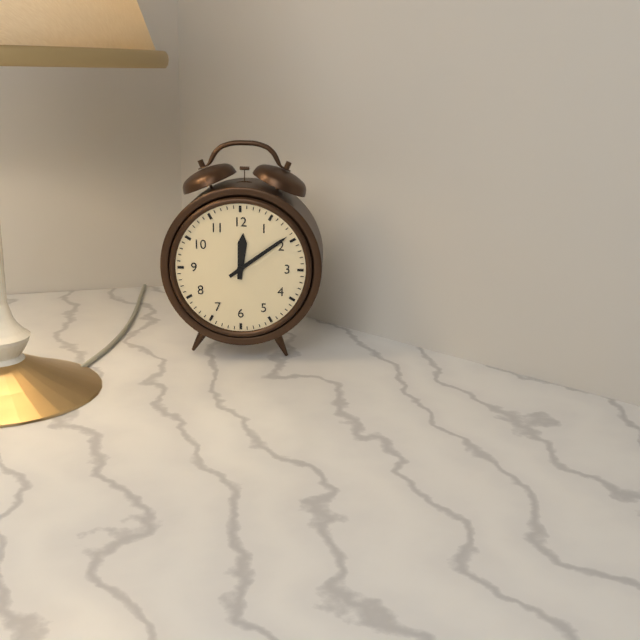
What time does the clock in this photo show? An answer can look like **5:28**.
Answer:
**12:09**
